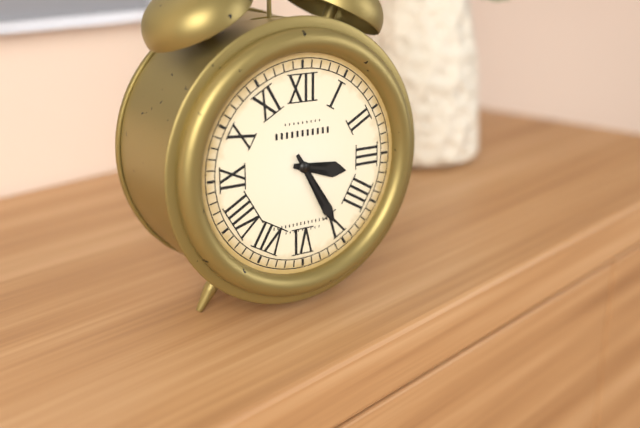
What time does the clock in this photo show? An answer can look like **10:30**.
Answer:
**3:25**
